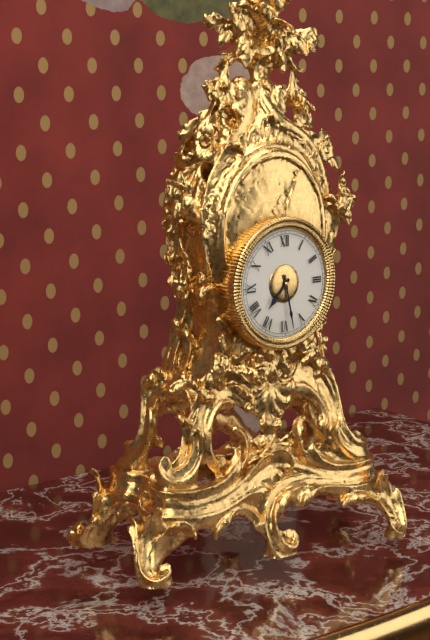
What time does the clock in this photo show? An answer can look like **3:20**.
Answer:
**7:28**
